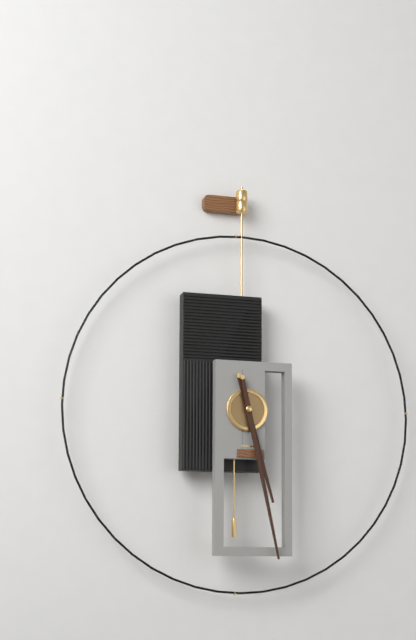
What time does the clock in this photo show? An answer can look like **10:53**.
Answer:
**5:28**
